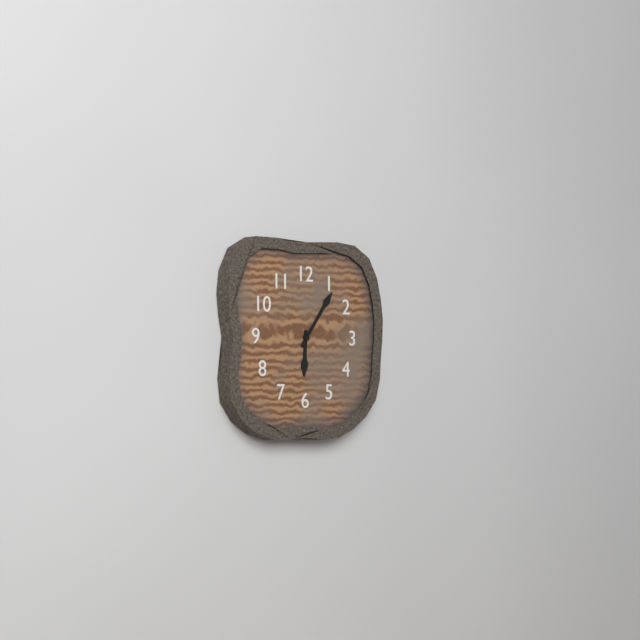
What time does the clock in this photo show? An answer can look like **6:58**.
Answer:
**6:06**
